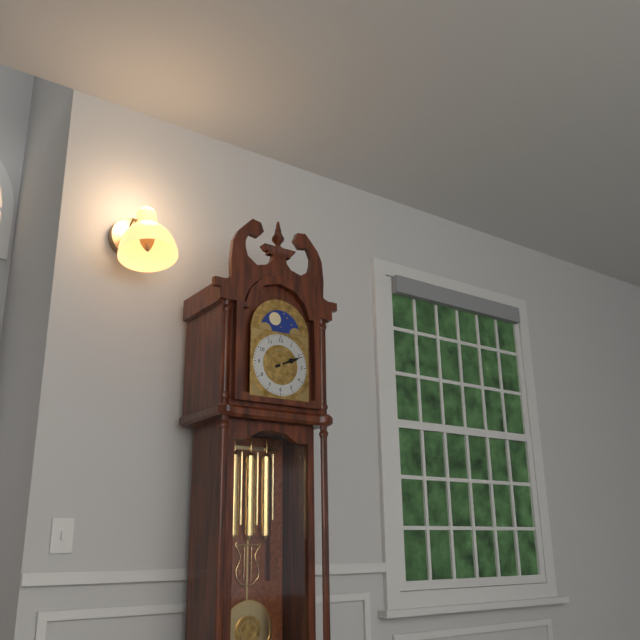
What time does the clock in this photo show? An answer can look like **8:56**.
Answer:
**2:11**
